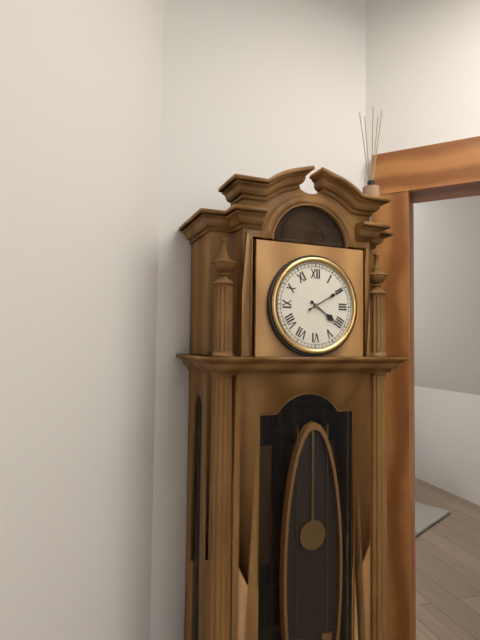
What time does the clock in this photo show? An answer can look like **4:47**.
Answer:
**4:10**
